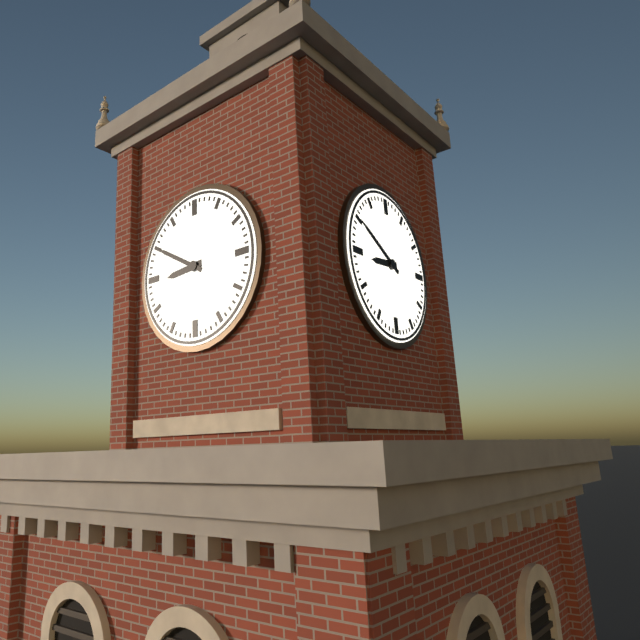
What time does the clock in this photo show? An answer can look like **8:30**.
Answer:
**8:50**
